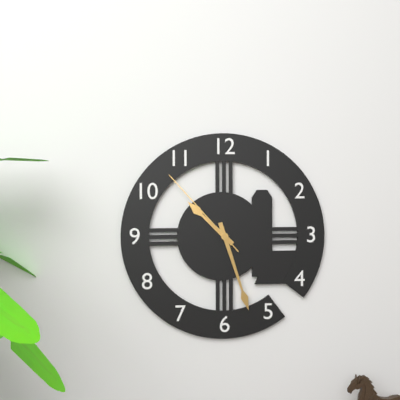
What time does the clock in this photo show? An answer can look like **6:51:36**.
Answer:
**10:27:53**
